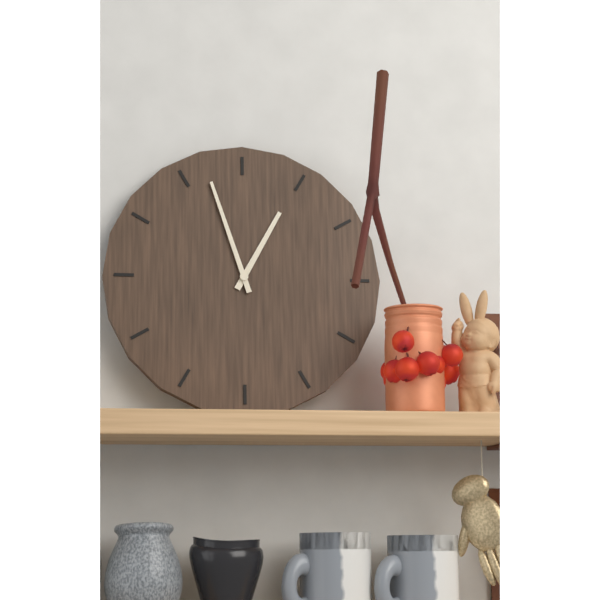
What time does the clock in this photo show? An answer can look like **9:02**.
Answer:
**12:57**
